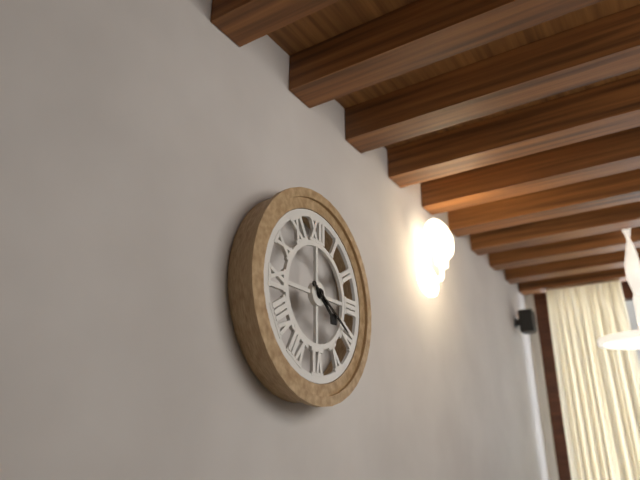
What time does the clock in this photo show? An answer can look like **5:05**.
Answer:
**4:20**
